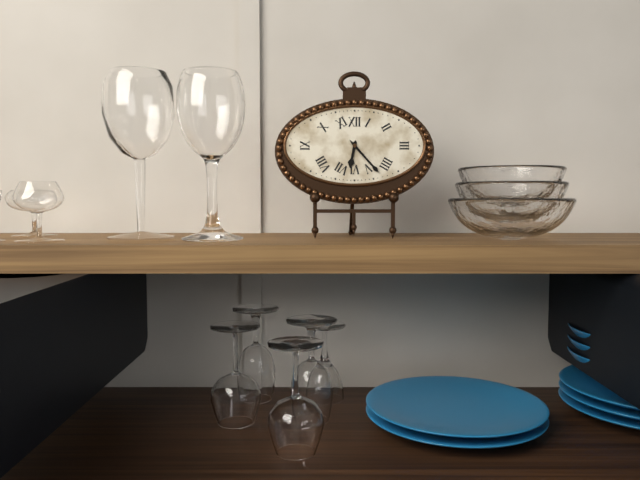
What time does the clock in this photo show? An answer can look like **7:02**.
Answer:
**6:23**
